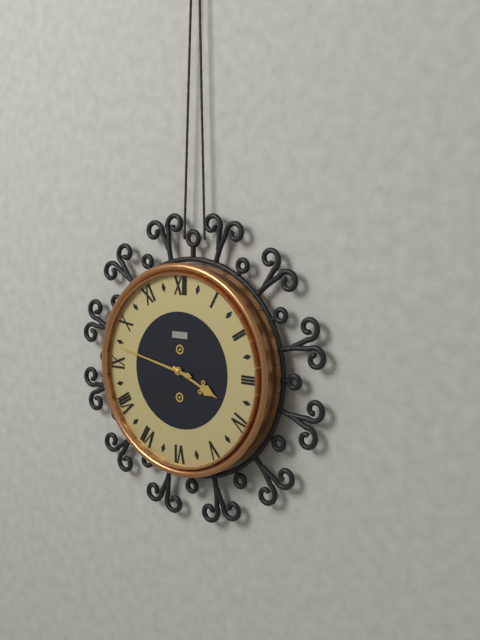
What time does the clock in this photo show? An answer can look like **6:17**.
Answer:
**3:47**
